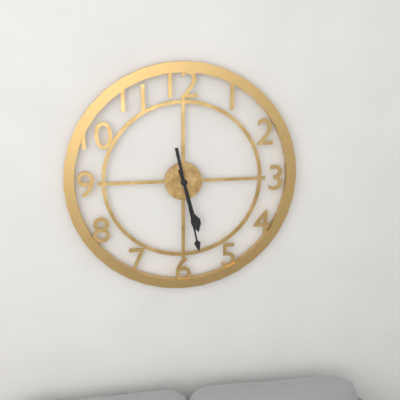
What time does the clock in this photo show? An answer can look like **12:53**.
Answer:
**5:28**
